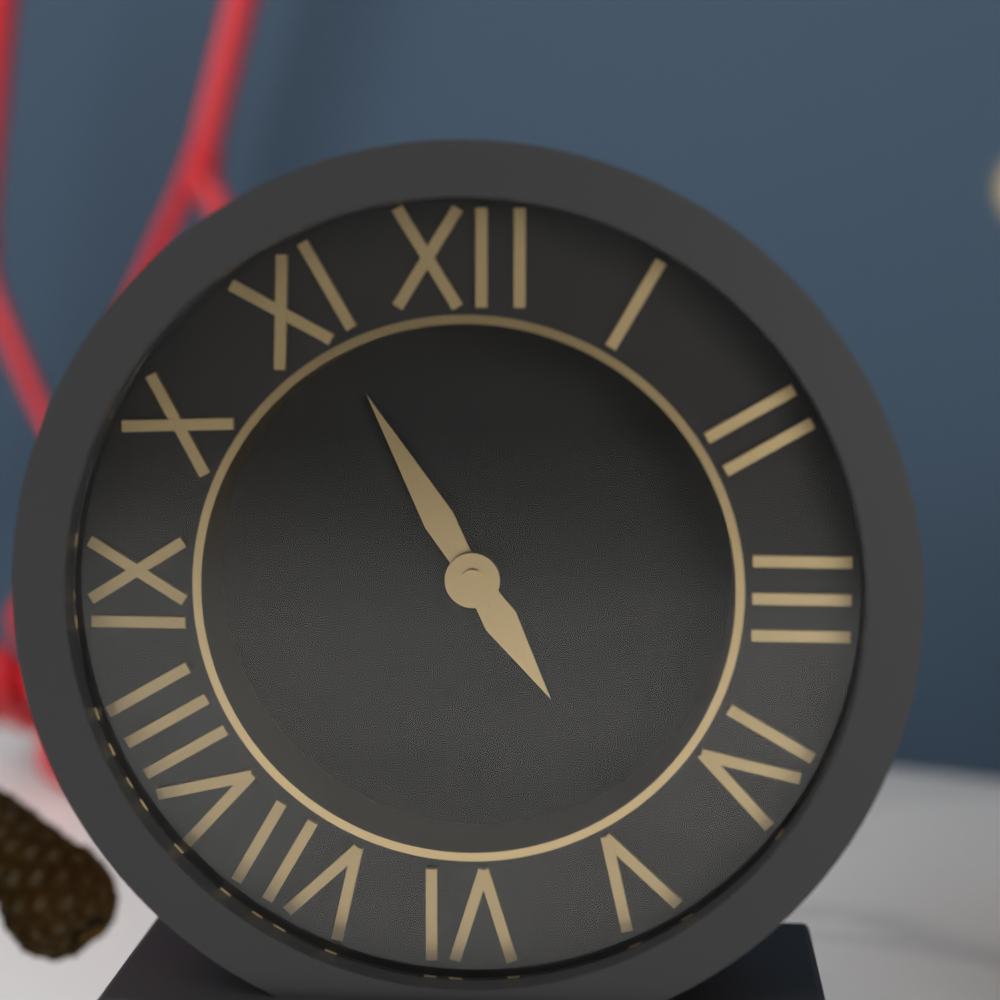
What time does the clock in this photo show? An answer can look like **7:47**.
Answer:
**4:55**
